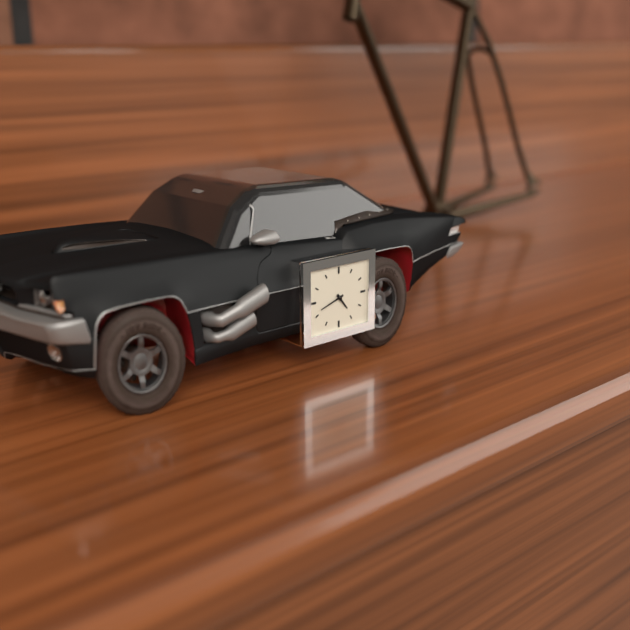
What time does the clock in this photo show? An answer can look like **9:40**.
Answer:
**4:42**
